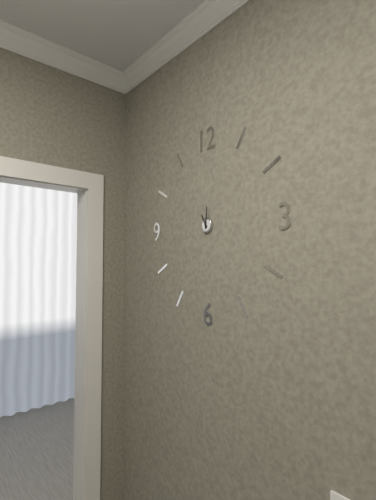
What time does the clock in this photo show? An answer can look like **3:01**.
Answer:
**11:01**
